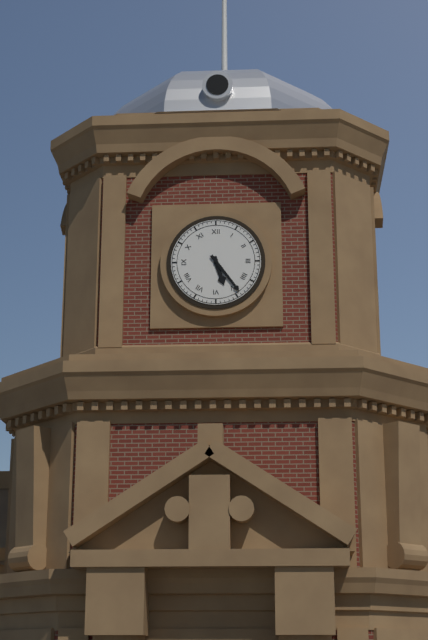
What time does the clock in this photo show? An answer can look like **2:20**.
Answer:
**5:24**
